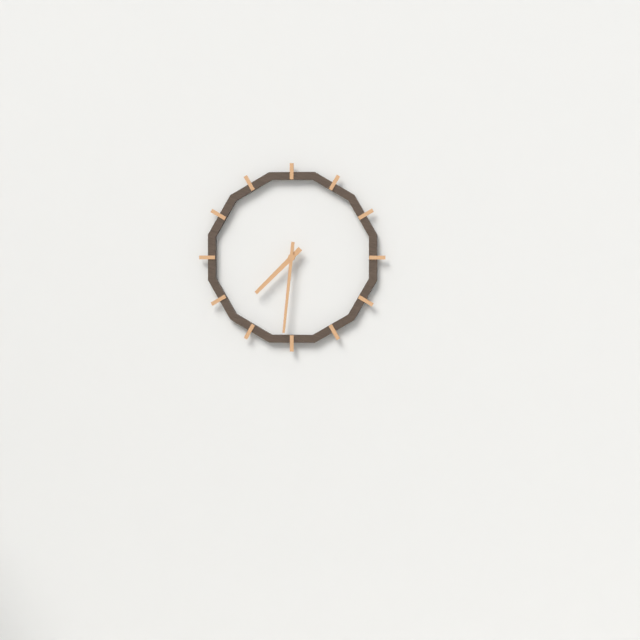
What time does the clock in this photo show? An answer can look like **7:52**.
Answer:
**7:31**
